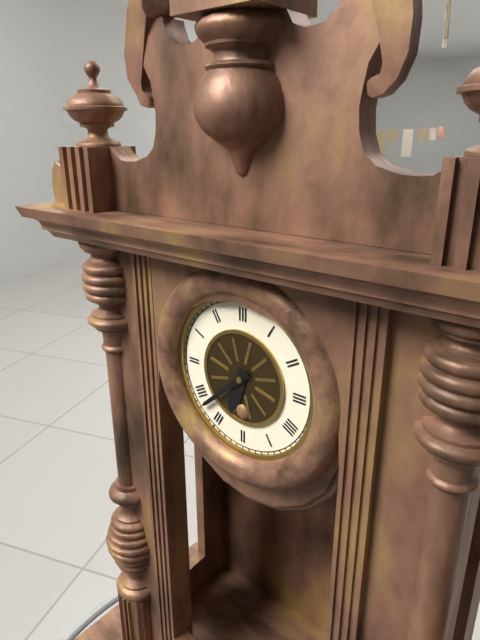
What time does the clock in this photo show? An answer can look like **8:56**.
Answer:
**6:38**
